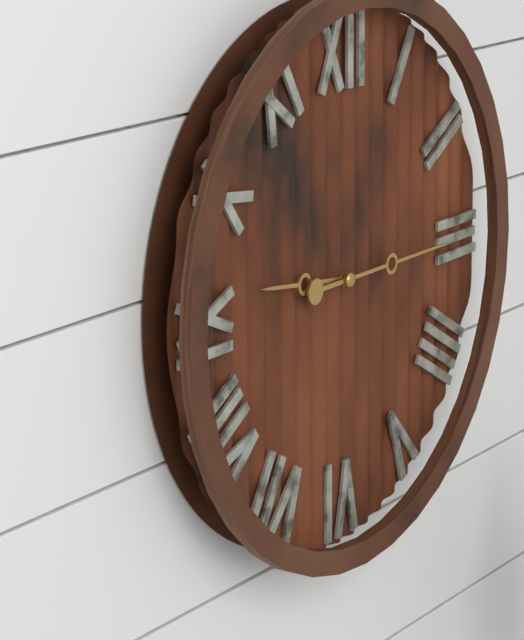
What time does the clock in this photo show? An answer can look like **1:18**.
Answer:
**9:15**
